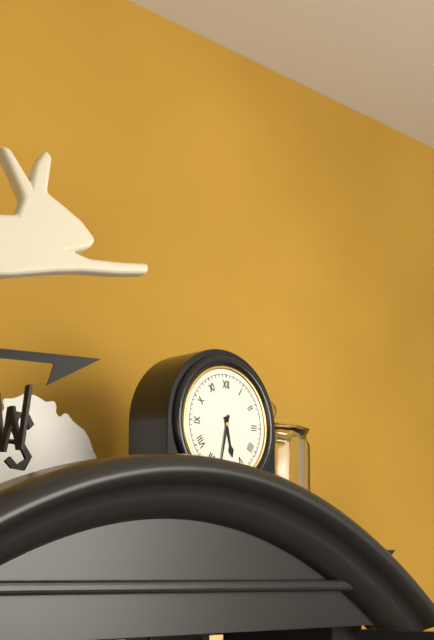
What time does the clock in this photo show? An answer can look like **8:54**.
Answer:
**5:32**
